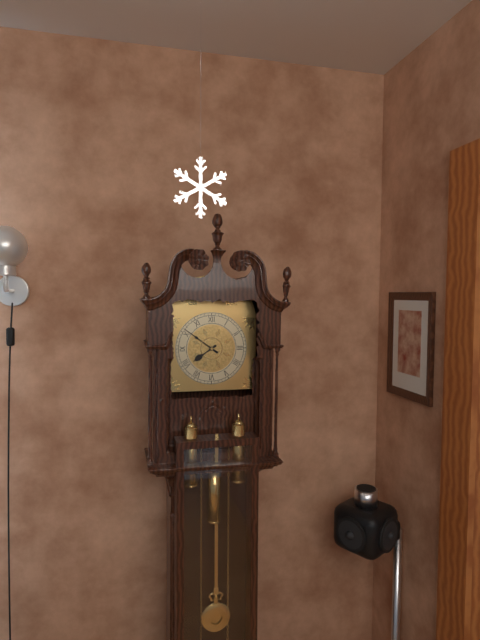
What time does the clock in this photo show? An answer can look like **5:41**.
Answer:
**7:51**
